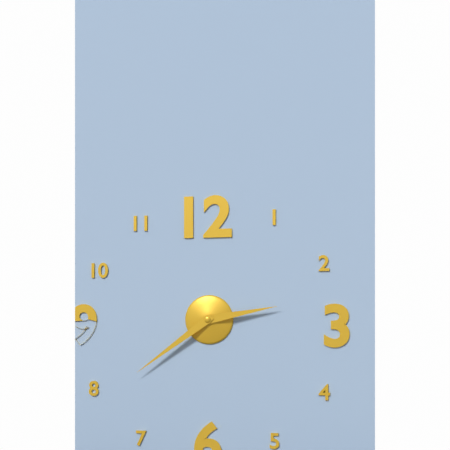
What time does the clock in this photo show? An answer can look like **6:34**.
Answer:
**2:39**
